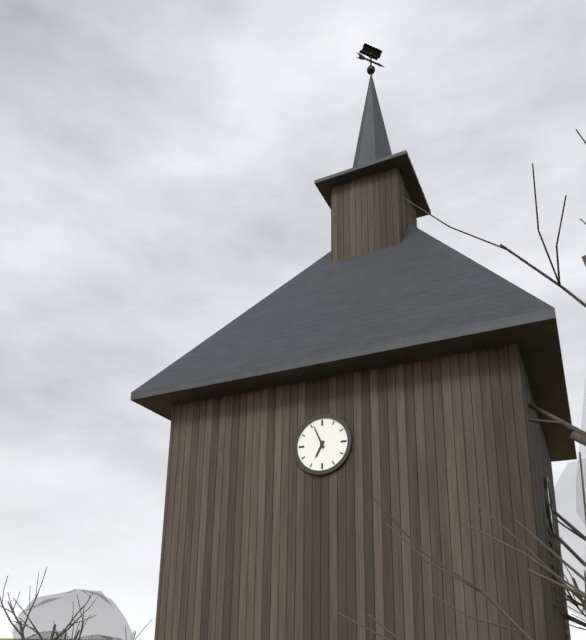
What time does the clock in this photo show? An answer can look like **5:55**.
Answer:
**6:56**
